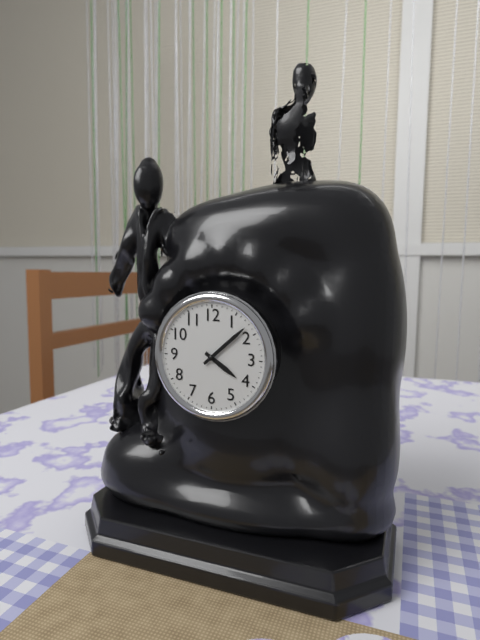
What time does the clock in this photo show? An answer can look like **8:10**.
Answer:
**4:08**
